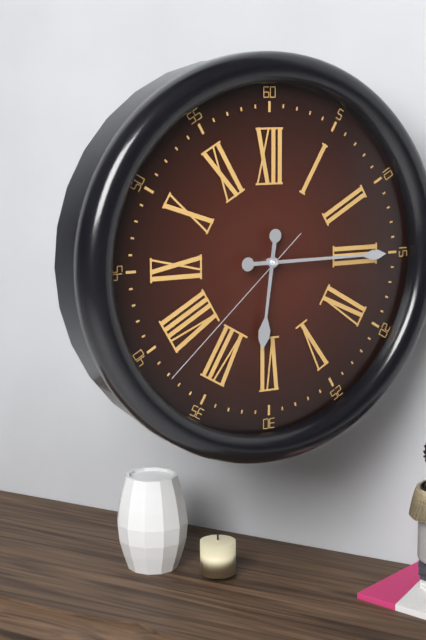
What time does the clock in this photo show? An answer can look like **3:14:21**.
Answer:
**6:15:38**
